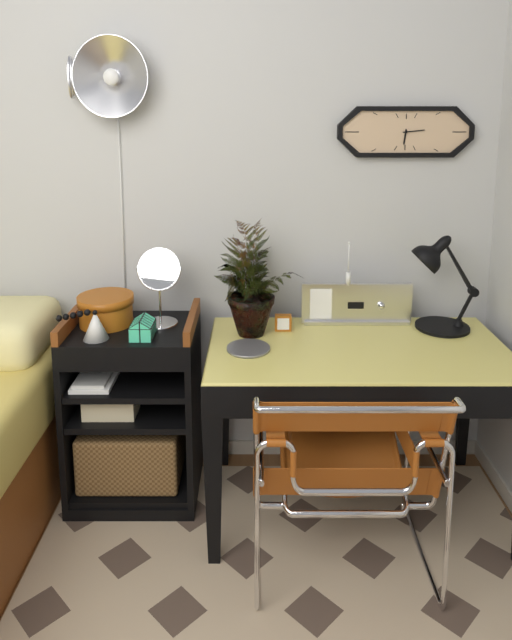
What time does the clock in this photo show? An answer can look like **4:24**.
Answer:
**6:14**
